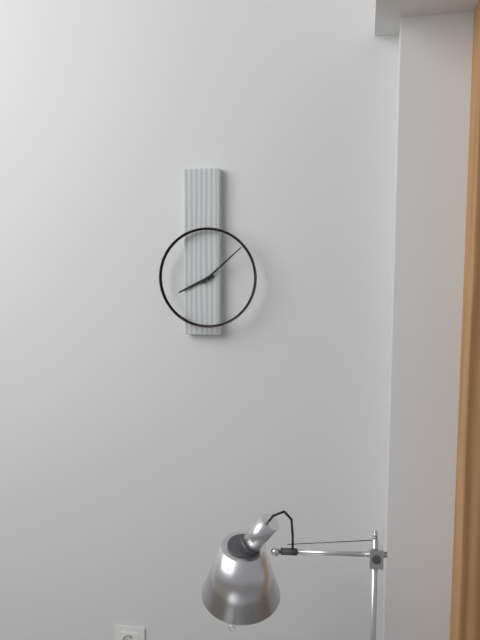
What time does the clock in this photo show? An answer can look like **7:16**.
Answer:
**8:08**
